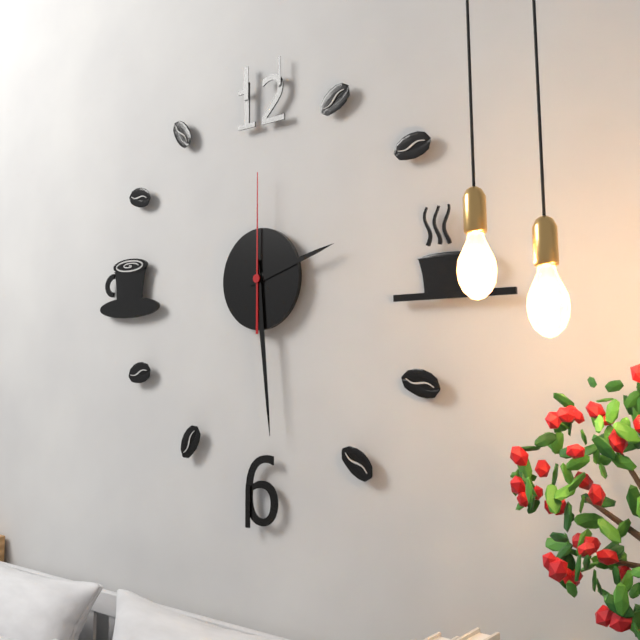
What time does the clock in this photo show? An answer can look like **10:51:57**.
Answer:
**2:29:00**
